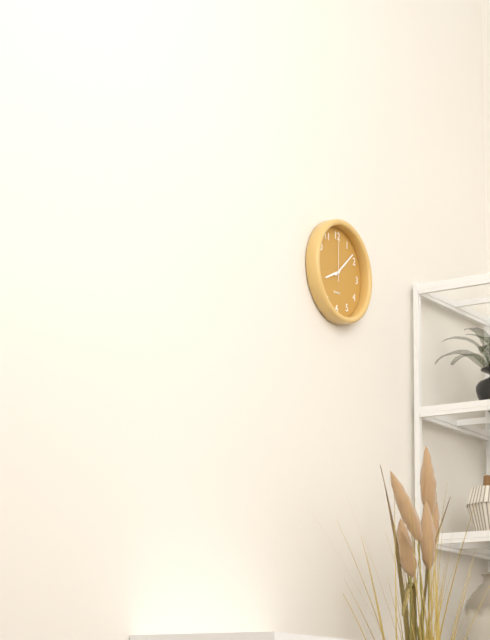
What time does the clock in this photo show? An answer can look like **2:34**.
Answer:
**8:08**
